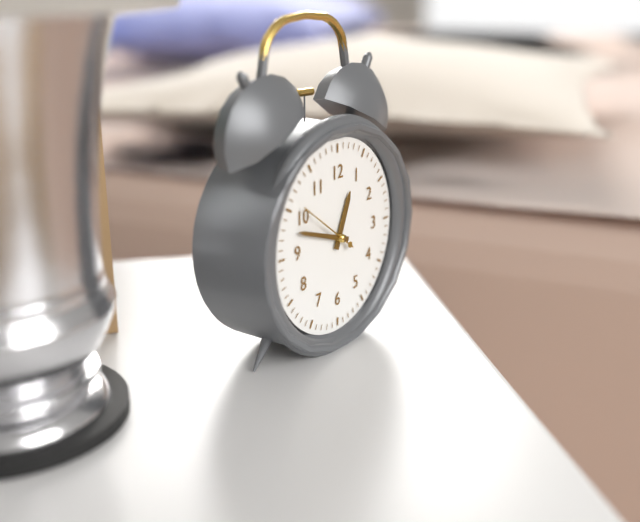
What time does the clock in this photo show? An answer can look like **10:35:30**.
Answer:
**12:48:51**
